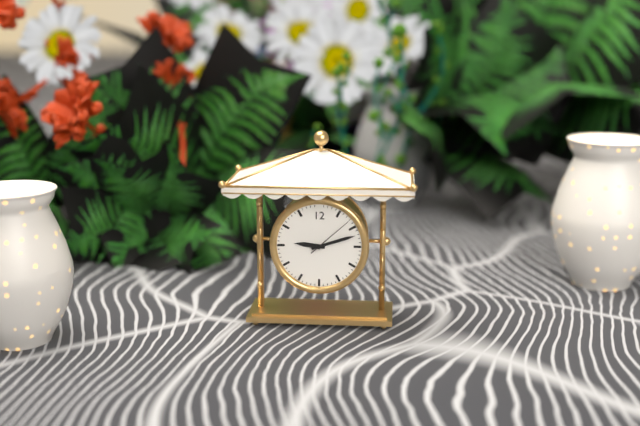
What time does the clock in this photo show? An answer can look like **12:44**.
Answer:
**9:12**
